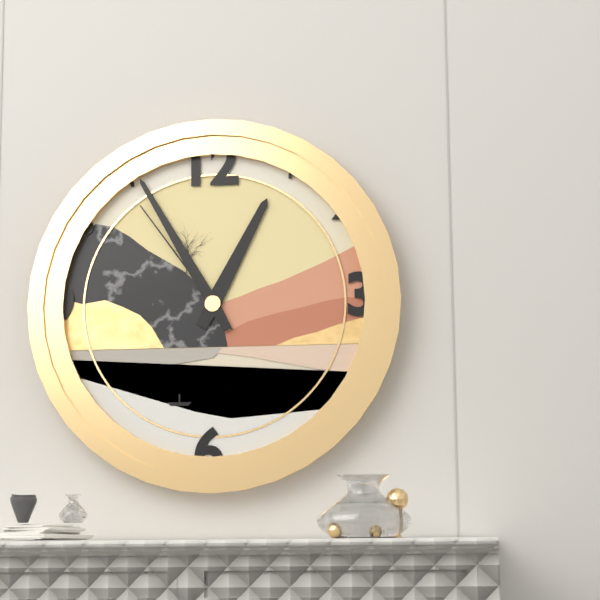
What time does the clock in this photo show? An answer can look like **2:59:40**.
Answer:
**12:55:54**
